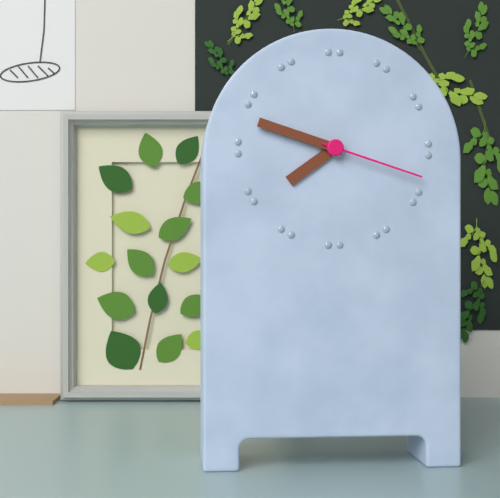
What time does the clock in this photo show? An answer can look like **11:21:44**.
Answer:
**7:48:18**
